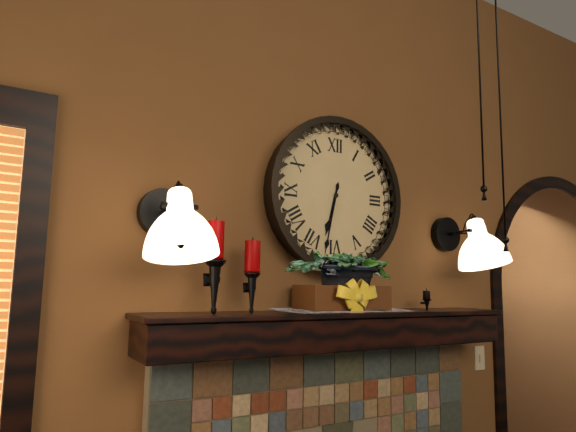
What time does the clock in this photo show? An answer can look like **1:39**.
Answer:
**6:32**
